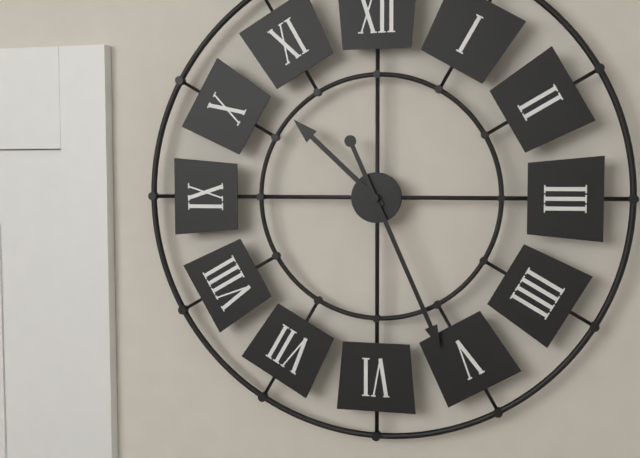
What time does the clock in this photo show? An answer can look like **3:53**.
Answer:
**10:26**
